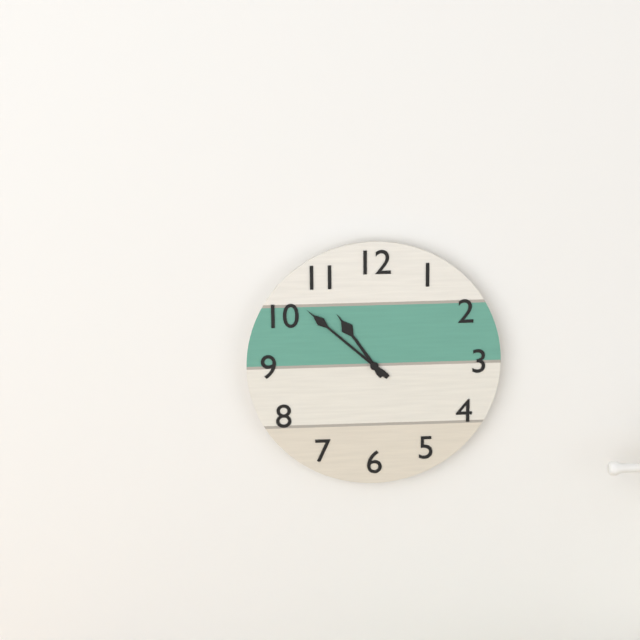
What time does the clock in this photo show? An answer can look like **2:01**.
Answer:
**10:52**
